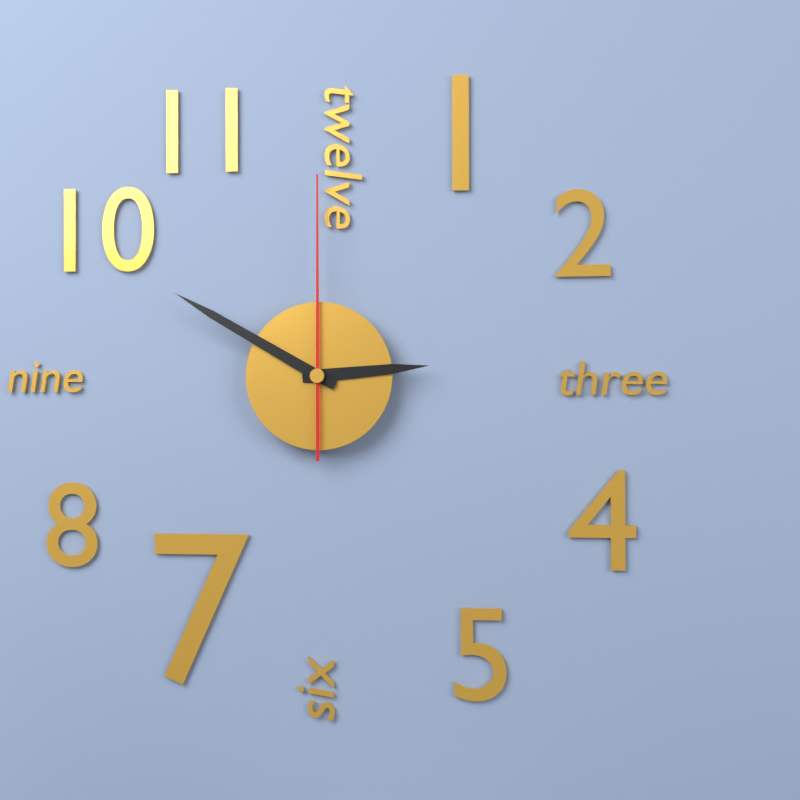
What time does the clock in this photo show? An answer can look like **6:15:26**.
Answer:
**2:50:00**
